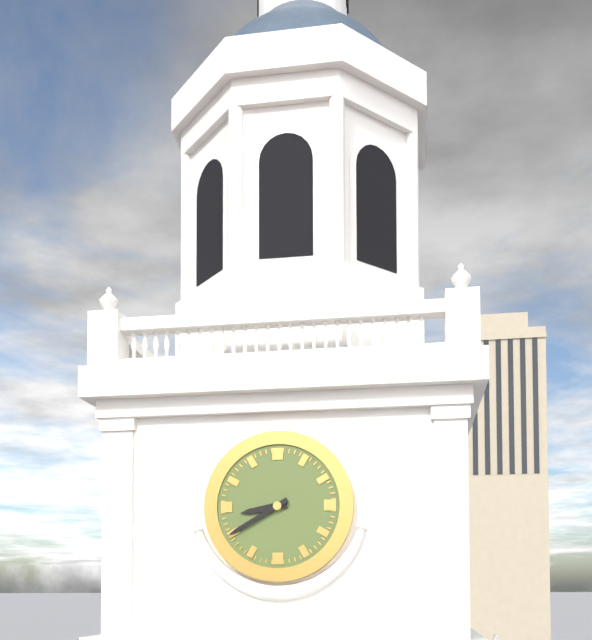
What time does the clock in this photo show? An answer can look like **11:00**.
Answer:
**8:40**
